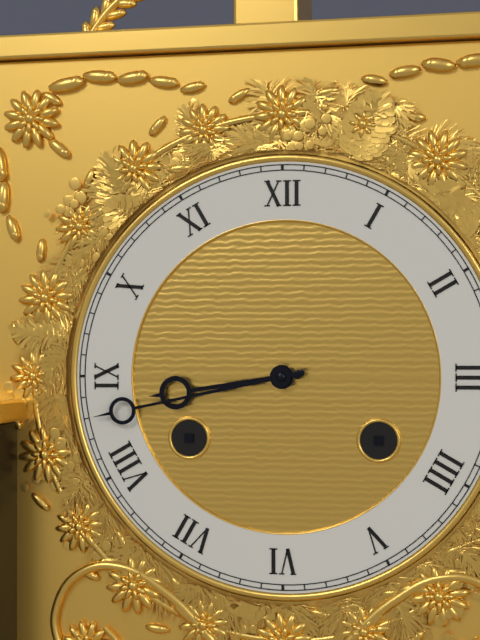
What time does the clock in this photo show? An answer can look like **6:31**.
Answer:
**8:43**
